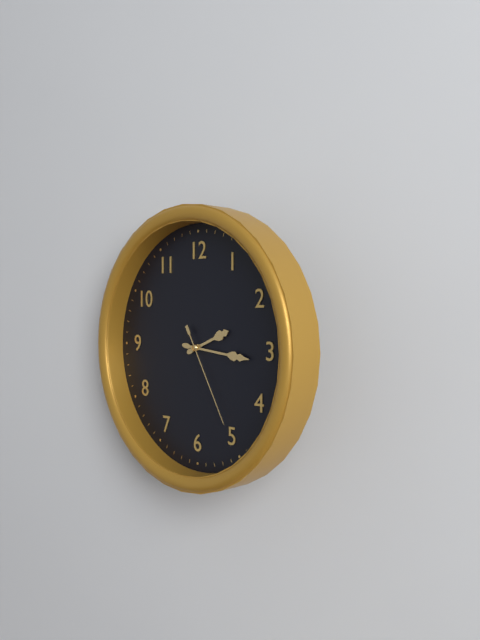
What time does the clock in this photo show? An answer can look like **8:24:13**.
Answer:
**2:16:25**
